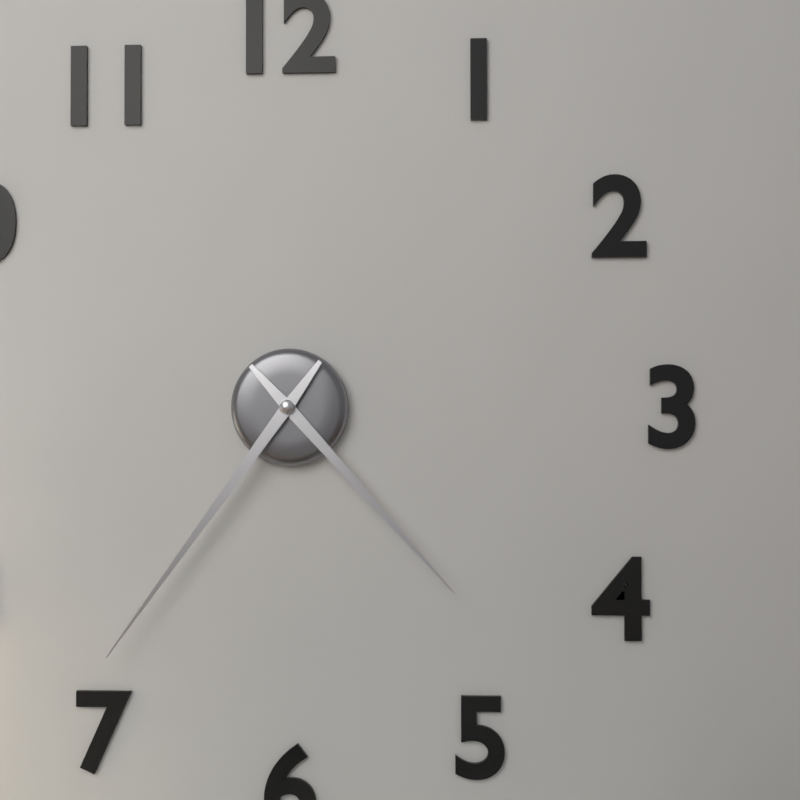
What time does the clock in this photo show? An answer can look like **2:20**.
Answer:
**4:36**
